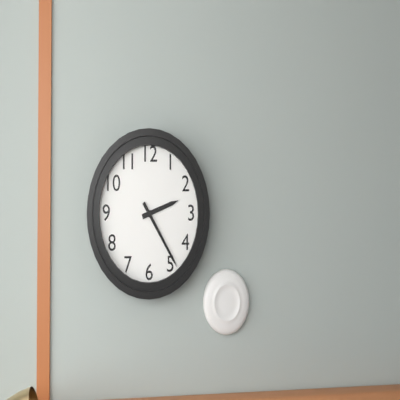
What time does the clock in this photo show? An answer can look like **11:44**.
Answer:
**2:24**
